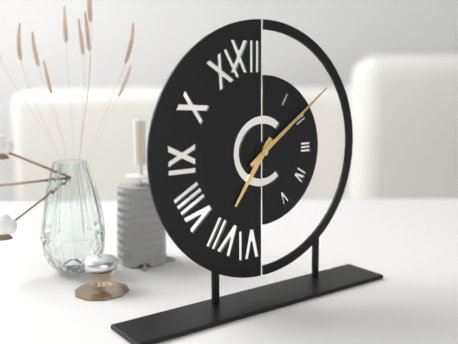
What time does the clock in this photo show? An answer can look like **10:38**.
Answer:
**7:09**
